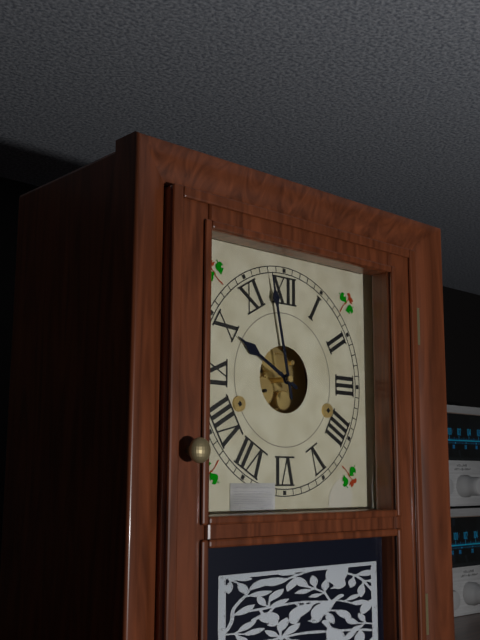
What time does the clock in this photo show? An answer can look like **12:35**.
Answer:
**9:58**
